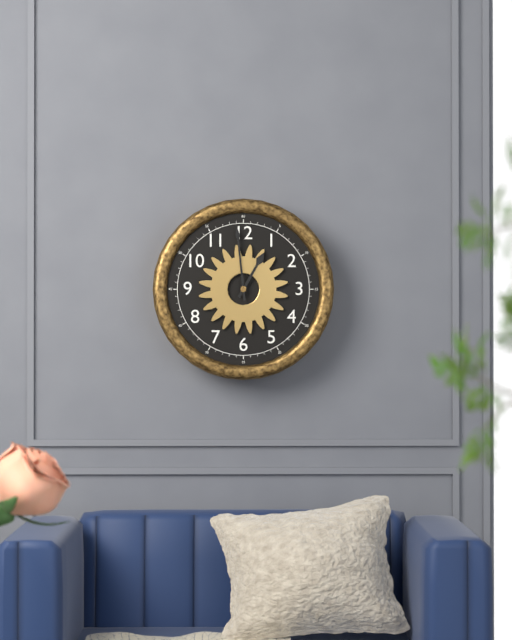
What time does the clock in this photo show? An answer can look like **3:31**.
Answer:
**12:59**
